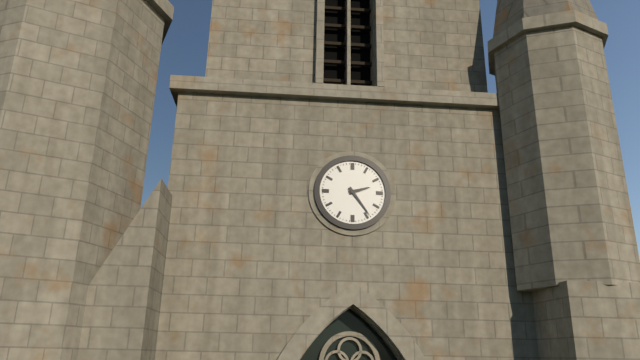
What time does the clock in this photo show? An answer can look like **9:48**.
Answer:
**2:24**
